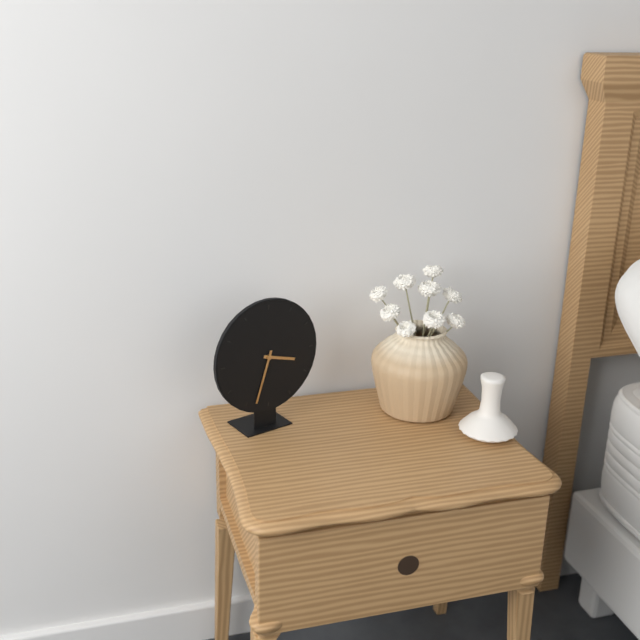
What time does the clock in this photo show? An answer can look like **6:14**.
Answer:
**3:33**
